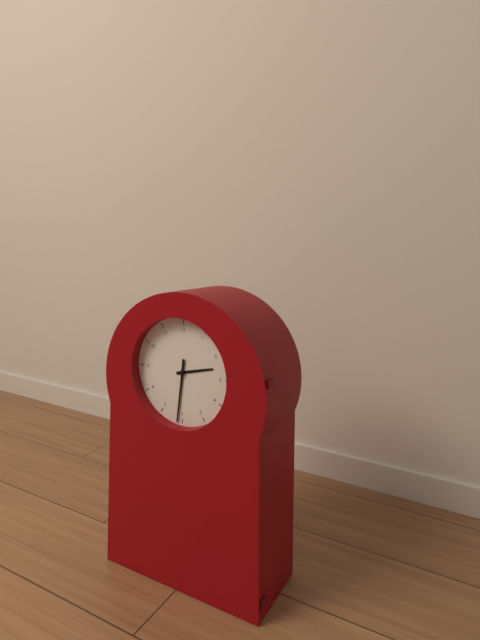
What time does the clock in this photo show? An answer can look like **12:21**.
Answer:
**2:31**
